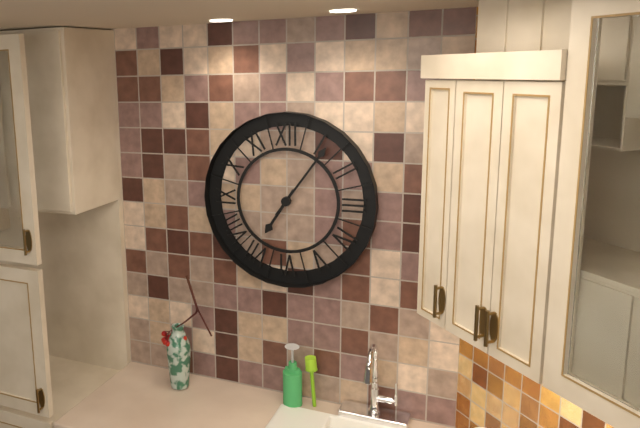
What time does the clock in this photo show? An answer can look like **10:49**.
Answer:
**7:06**
